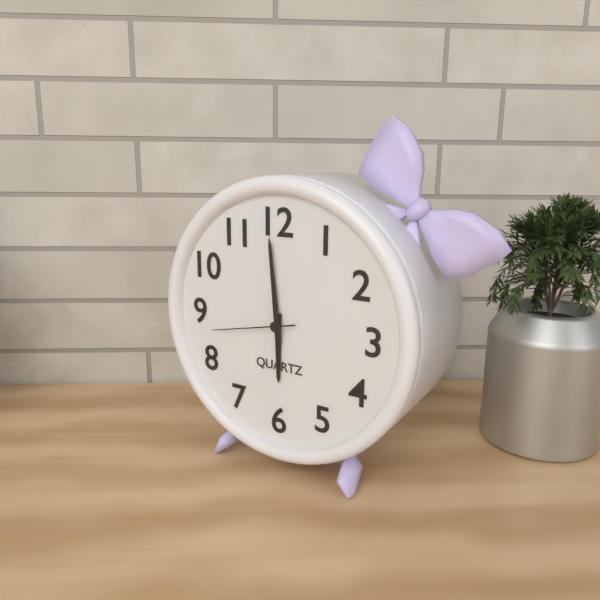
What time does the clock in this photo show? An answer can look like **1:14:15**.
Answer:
**5:59:43**
